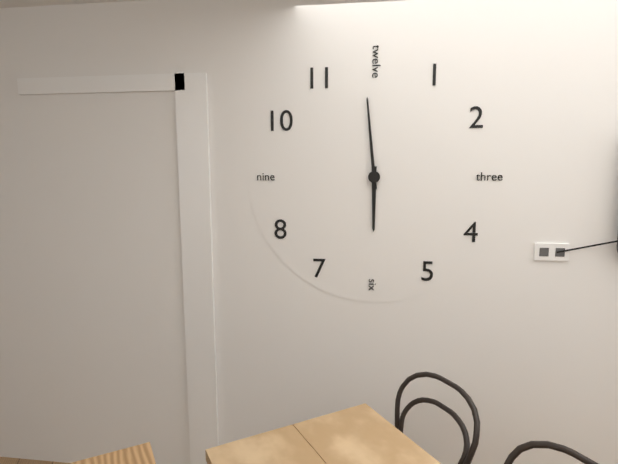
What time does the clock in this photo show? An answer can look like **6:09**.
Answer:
**5:59**
